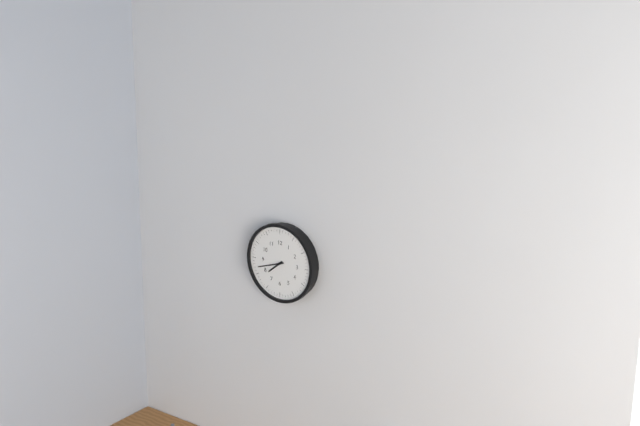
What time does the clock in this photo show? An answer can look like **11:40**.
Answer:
**7:42**
